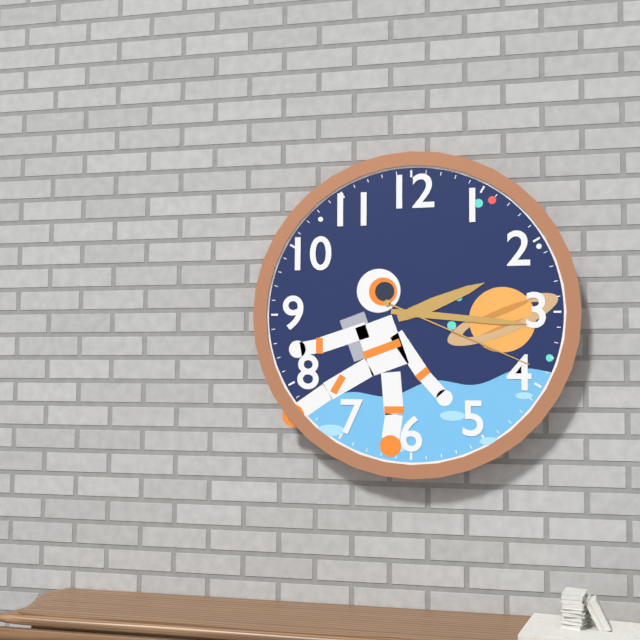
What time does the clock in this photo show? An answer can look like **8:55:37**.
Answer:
**2:16:19**
